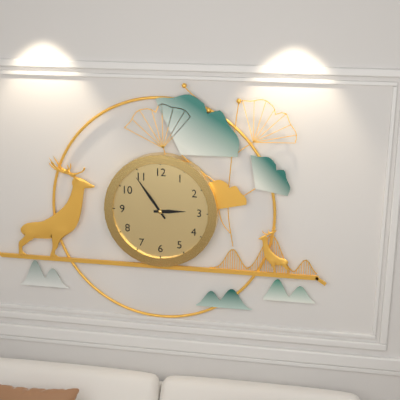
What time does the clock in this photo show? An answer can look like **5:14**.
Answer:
**2:54**
